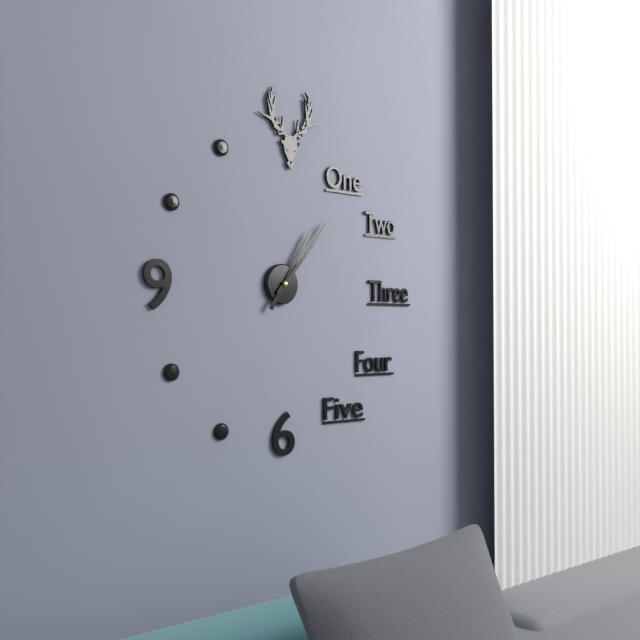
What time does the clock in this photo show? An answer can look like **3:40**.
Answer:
**1:07**
